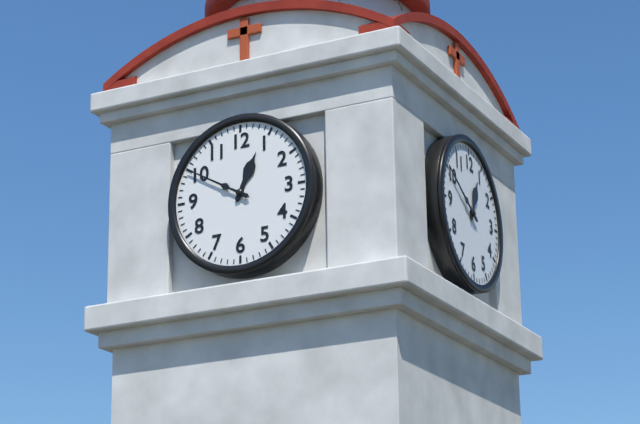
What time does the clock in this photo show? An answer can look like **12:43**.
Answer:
**12:50**
